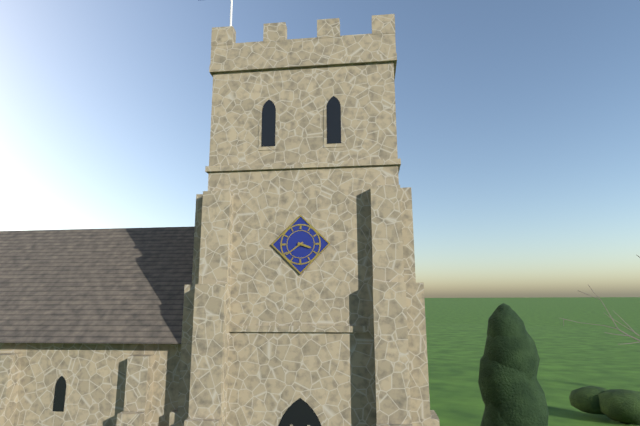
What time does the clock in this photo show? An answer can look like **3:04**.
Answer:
**3:39**
